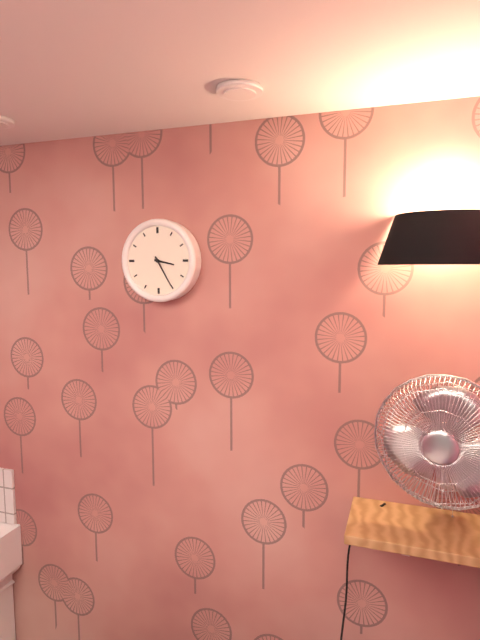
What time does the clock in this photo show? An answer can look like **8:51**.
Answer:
**3:25**
